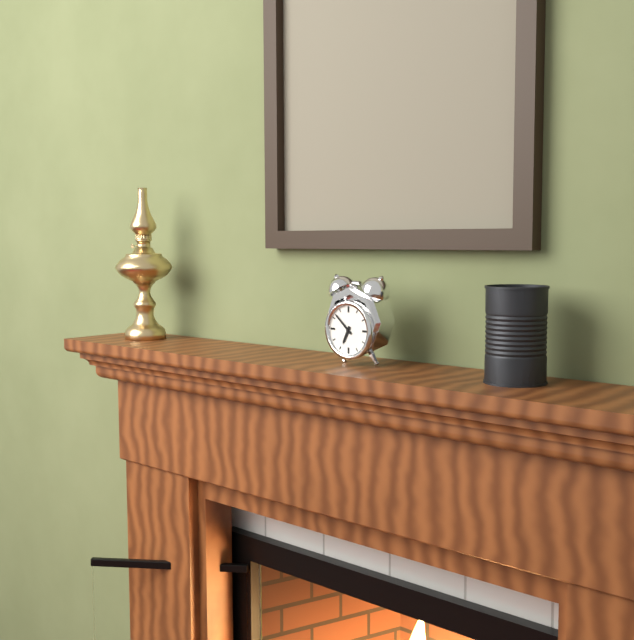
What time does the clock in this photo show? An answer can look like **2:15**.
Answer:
**6:52**
